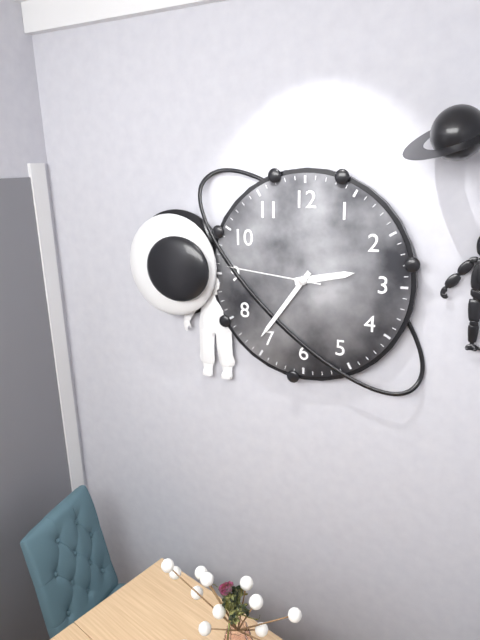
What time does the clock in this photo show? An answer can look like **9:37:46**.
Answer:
**2:36:46**
